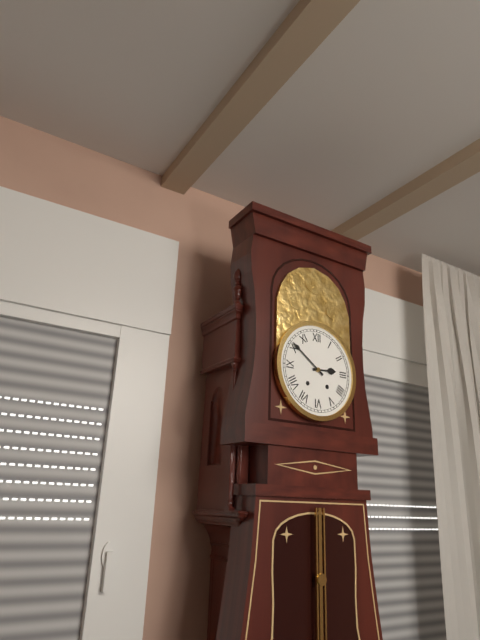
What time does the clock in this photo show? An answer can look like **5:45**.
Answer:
**2:51**
